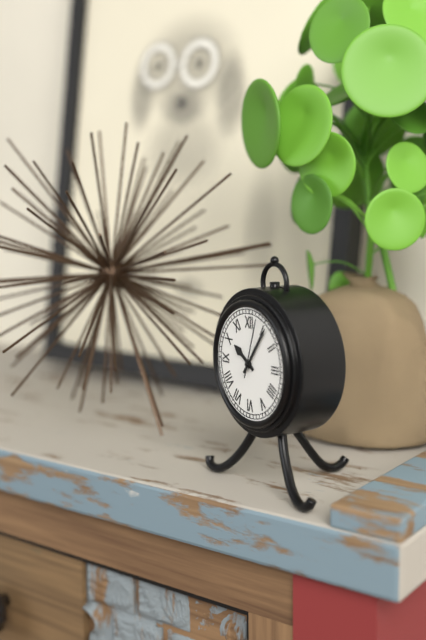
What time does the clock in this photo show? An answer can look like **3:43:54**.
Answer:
**10:06:03**
